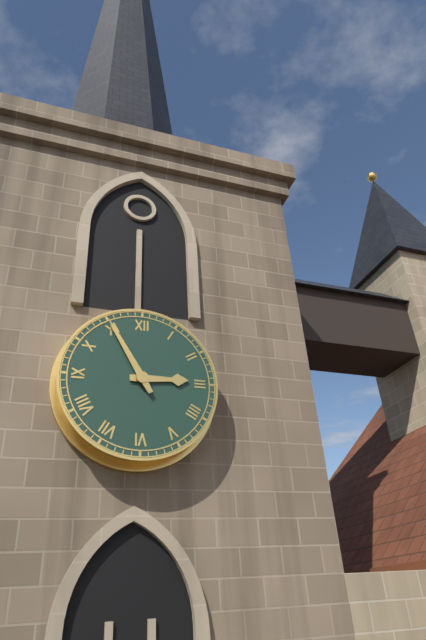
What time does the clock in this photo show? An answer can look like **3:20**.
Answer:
**2:55**
